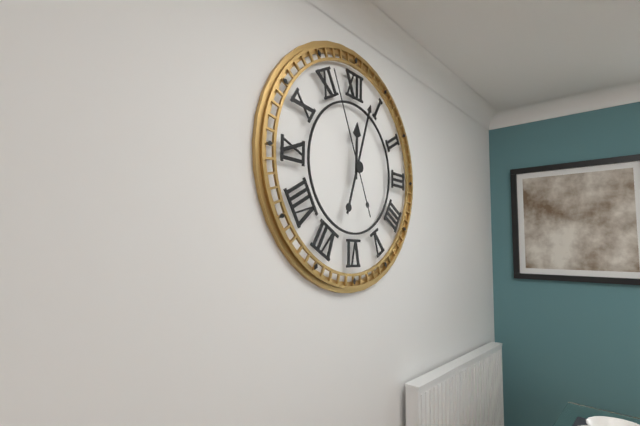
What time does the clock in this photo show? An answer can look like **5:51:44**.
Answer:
**12:03:56**
